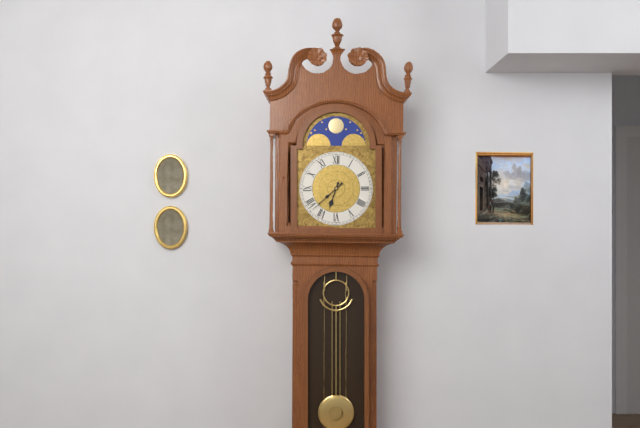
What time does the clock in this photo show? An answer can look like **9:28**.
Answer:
**6:38**
